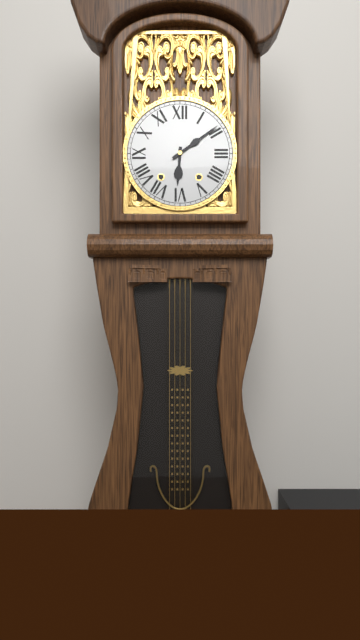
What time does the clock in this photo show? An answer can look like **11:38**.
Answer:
**6:09**
